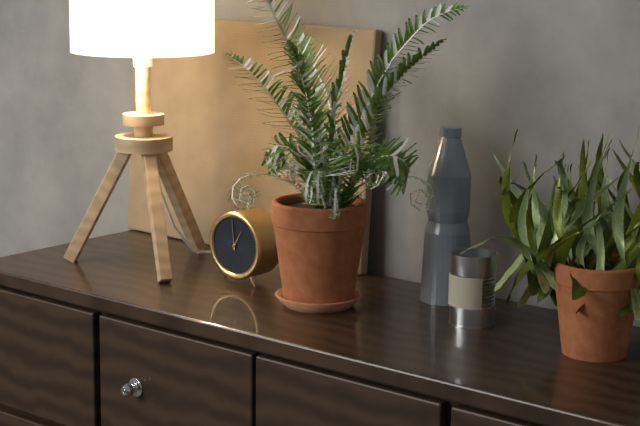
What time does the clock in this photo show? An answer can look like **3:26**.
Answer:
**12:59**
